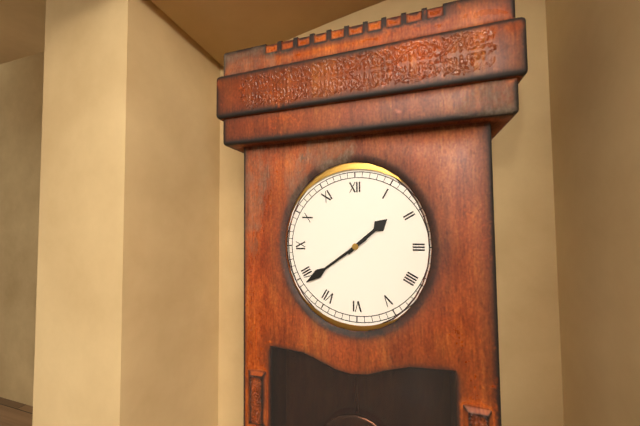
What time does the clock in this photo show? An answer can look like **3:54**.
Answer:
**1:39**
